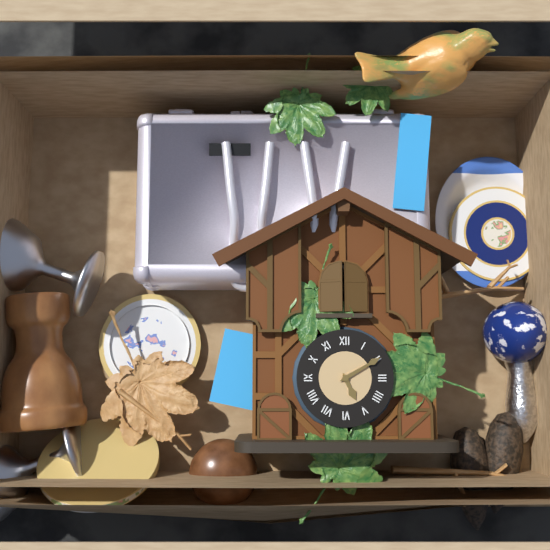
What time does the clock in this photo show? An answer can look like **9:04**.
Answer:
**5:10**
